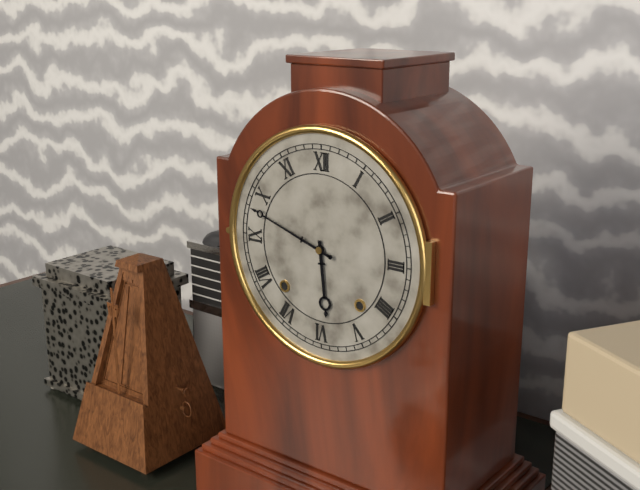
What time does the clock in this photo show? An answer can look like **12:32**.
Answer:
**5:48**
